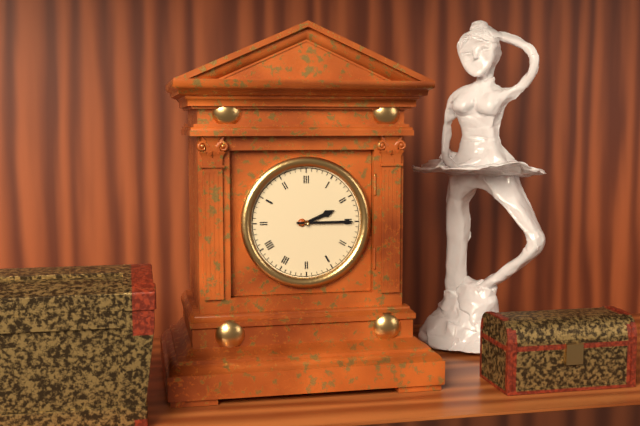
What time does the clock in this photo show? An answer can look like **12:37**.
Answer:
**2:15**
